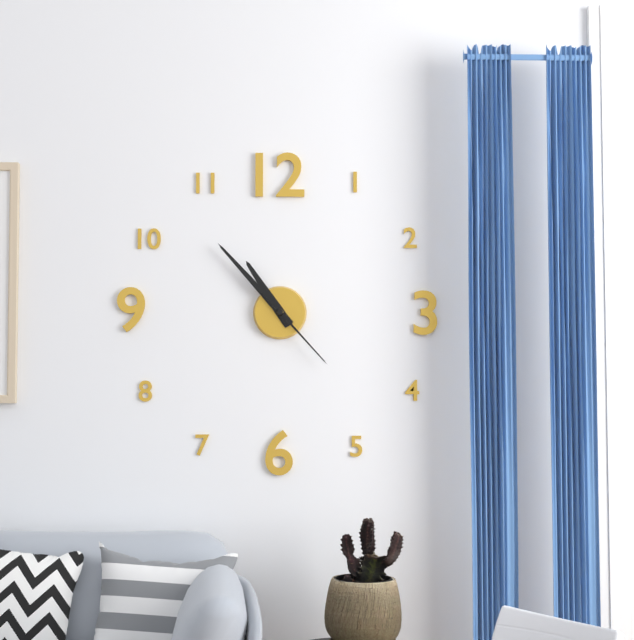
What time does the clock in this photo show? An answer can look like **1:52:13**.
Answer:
**10:53:23**
